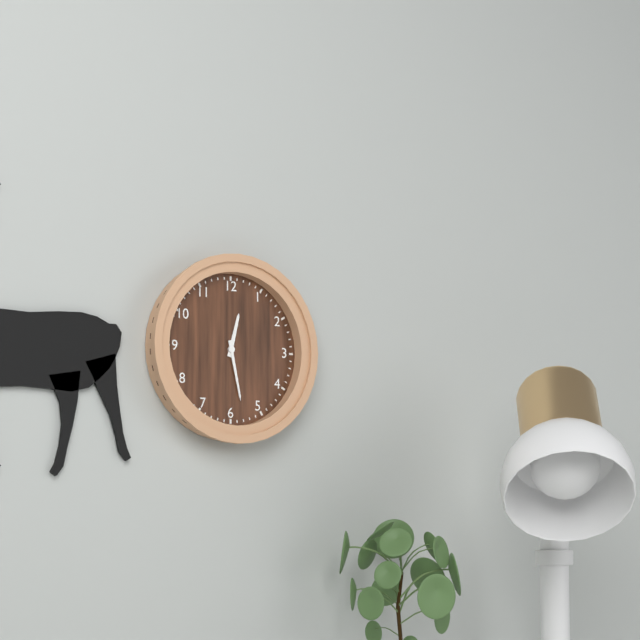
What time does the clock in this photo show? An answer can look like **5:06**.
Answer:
**12:28**
